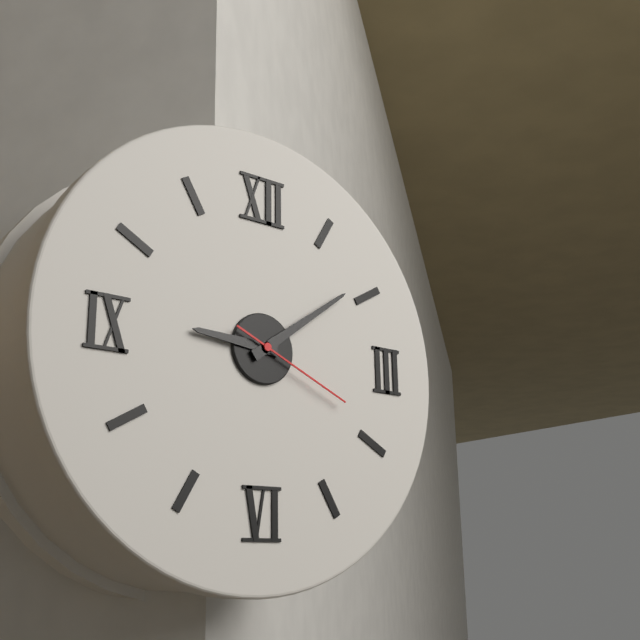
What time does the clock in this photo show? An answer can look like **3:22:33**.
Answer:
**9:09:19**
